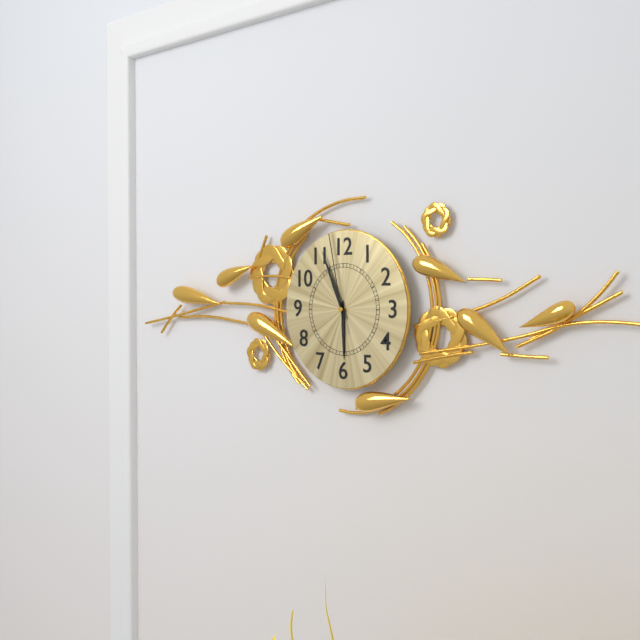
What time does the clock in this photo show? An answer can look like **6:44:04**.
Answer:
**5:56:58**
